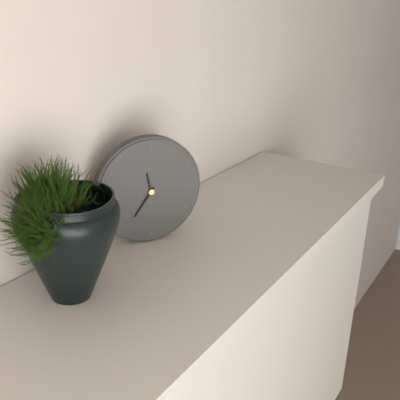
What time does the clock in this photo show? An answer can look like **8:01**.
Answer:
**11:36**
